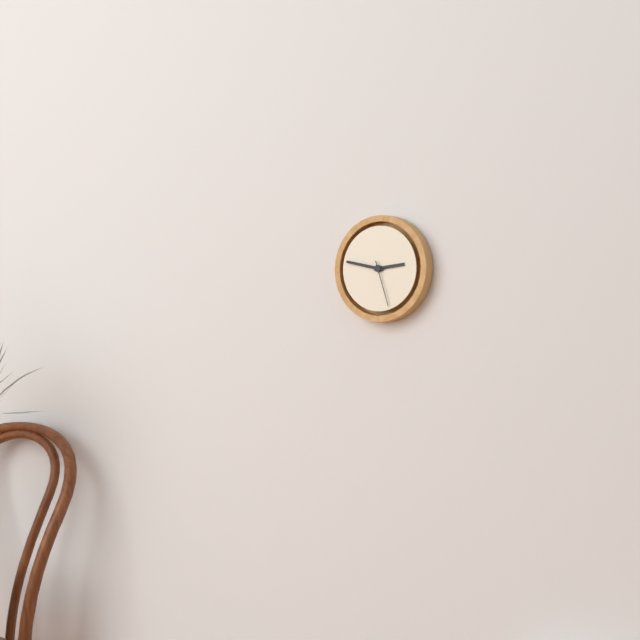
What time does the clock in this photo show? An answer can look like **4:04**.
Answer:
**2:47**
